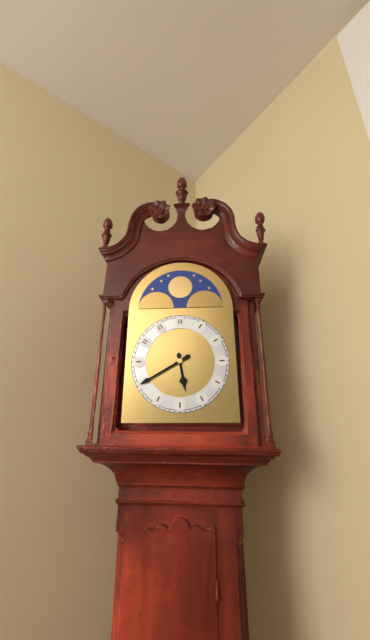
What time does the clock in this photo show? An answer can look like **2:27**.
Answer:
**5:40**
